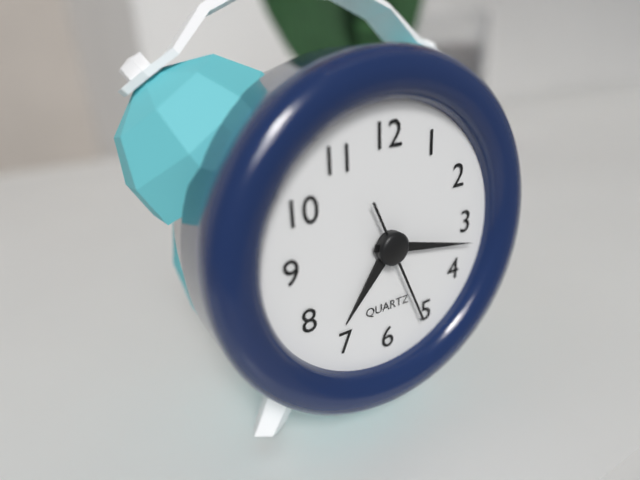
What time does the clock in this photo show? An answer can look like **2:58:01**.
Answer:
**7:17:26**
